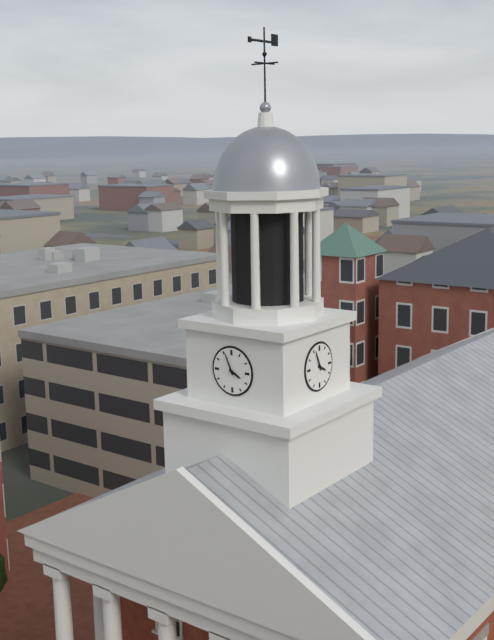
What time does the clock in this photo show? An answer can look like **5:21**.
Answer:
**3:56**
